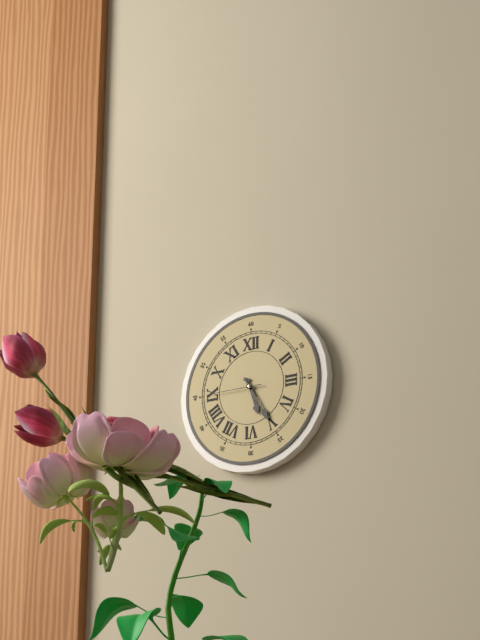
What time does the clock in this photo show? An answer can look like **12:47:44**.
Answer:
**5:25:45**
